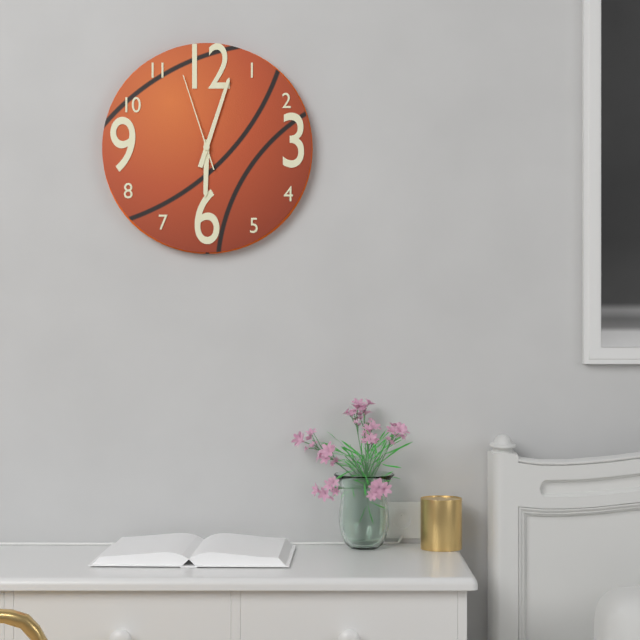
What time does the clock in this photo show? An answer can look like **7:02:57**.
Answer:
**6:03:57**
